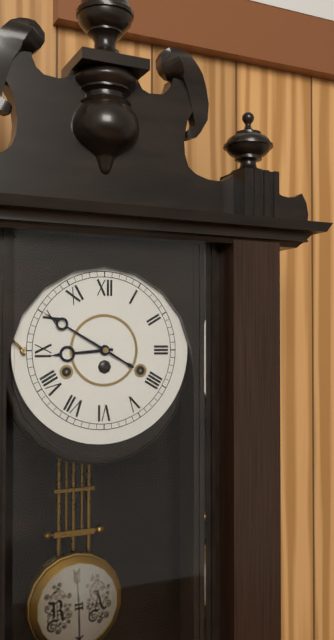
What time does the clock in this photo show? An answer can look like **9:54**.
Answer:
**8:50**
